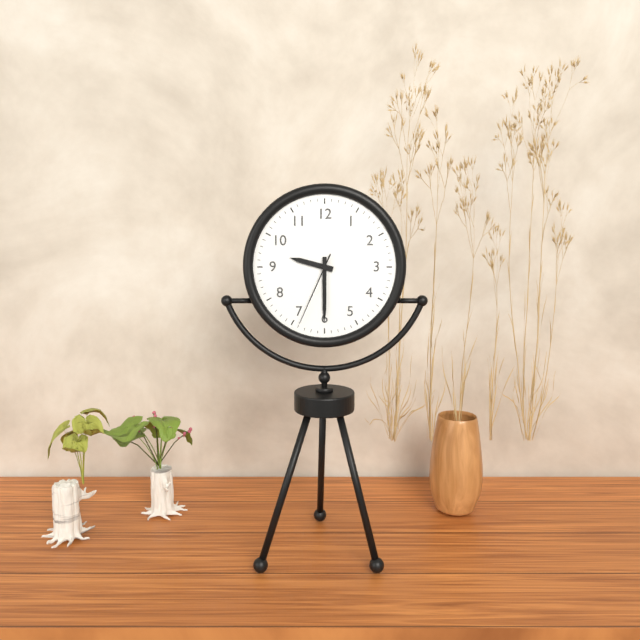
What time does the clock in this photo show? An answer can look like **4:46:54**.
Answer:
**9:30:34**
